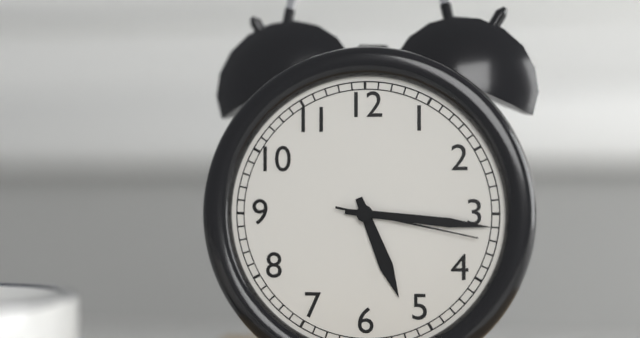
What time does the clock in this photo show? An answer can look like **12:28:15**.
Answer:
**5:16:17**
